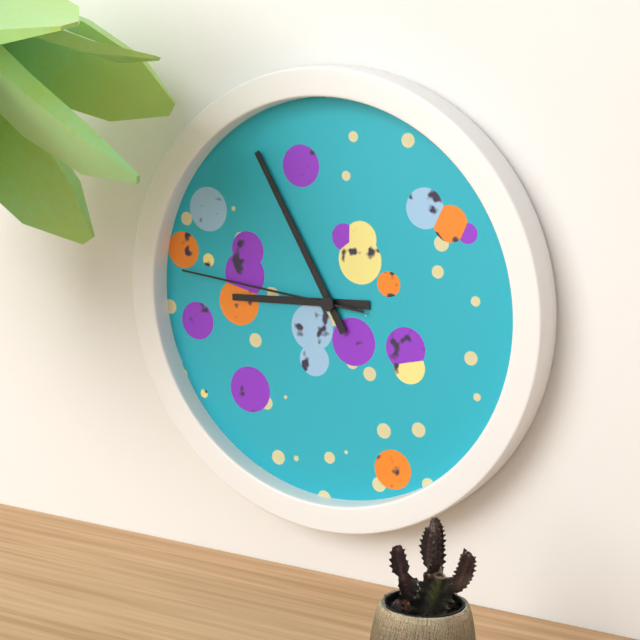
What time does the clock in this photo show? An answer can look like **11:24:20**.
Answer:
**8:55:46**
